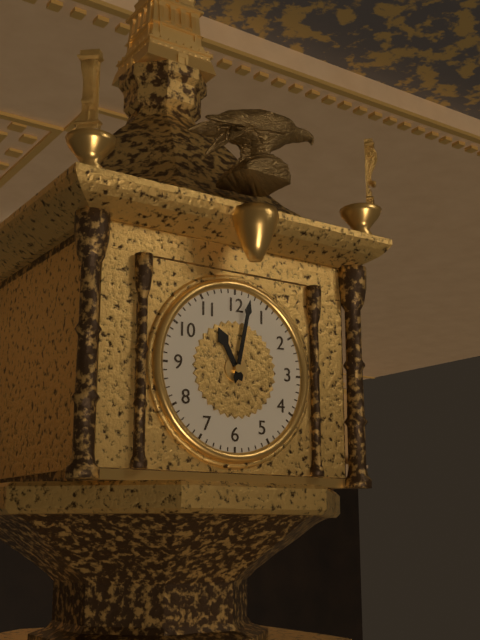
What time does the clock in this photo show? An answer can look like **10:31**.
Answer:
**11:02**
